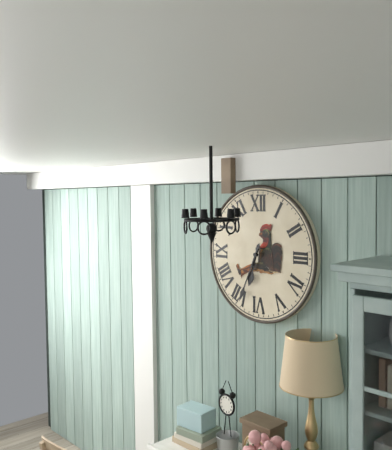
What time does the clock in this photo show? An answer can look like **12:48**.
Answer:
**6:34**
